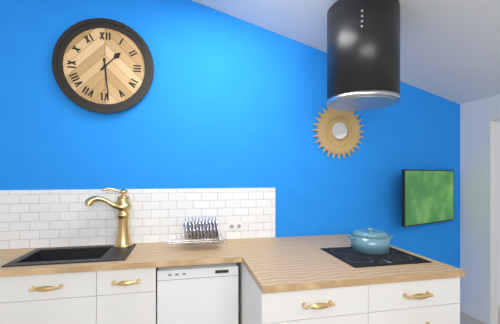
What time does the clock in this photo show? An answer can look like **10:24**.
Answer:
**1:29**
